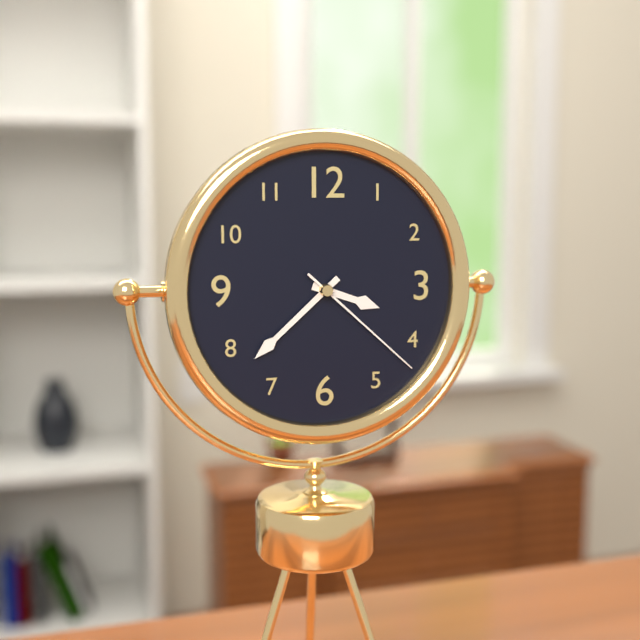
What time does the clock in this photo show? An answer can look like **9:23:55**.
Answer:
**3:38:22**
